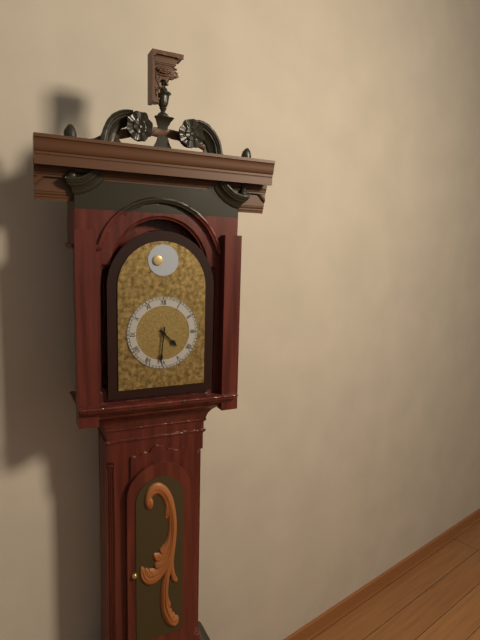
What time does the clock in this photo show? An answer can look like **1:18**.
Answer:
**4:31**
